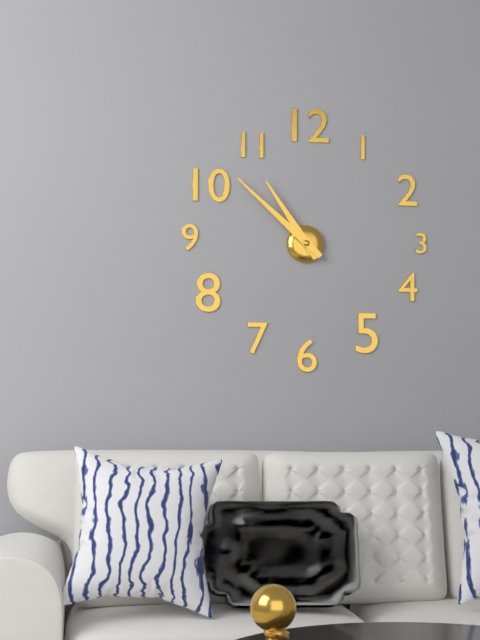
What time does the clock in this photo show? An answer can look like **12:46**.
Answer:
**10:52**
